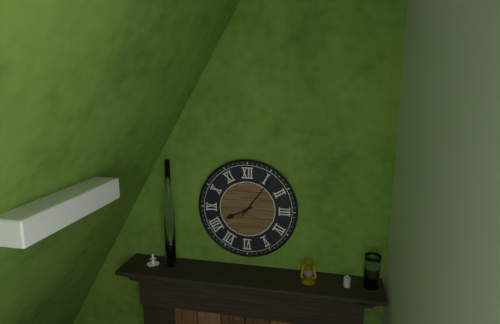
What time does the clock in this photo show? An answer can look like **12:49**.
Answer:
**8:06**
